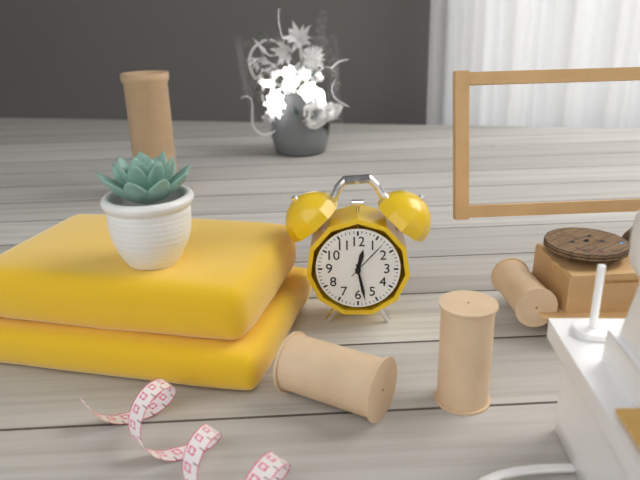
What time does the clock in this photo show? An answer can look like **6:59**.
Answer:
**12:28**
